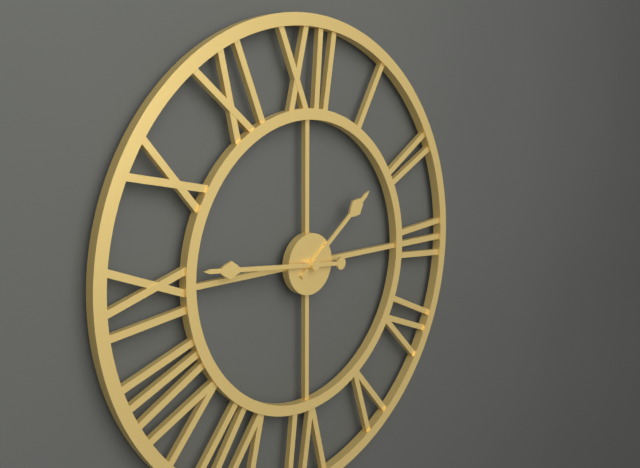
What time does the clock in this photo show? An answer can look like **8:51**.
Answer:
**1:46**
